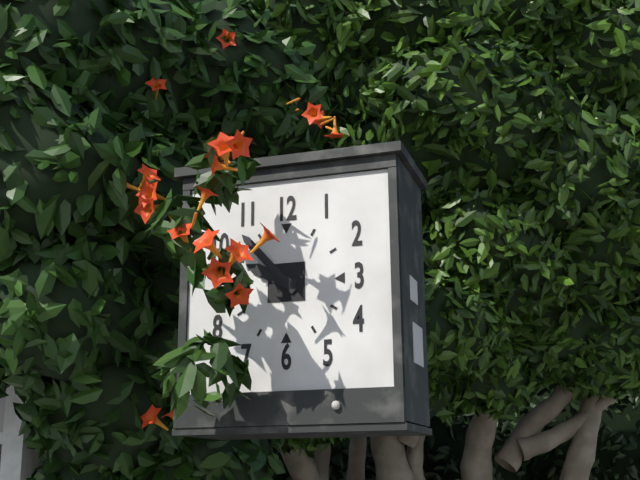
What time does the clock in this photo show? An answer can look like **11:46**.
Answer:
**9:53**
